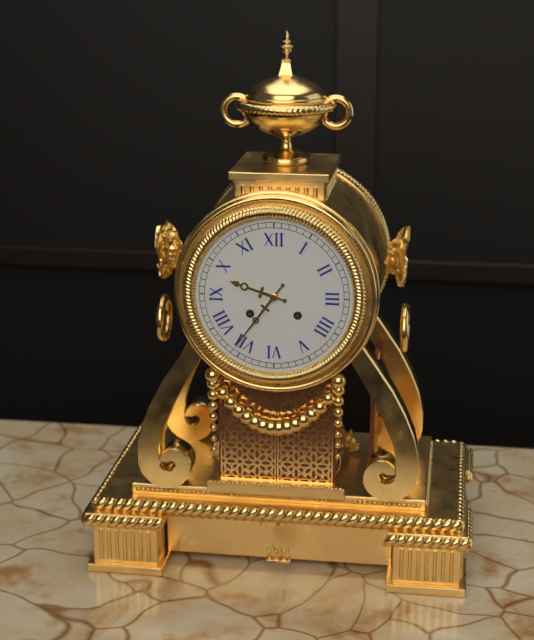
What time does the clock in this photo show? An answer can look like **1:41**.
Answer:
**9:36**
